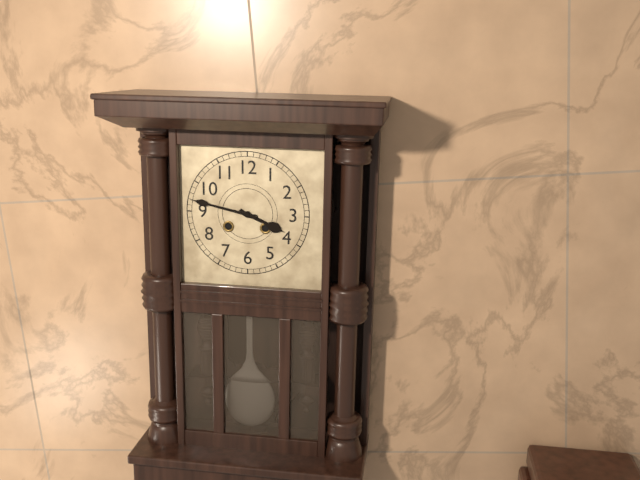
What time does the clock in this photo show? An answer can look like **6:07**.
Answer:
**3:47**
